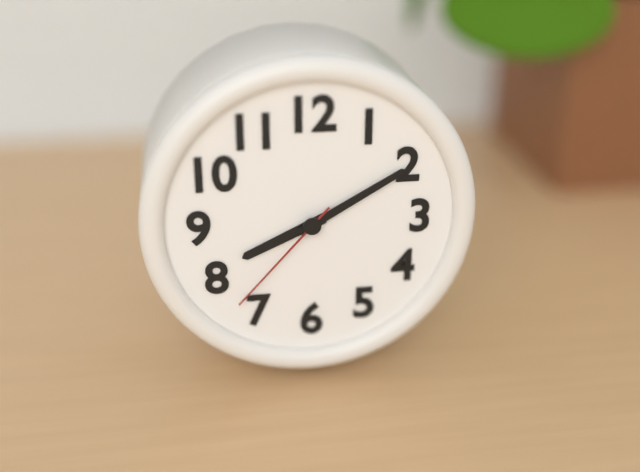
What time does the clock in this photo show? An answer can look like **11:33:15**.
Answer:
**8:10:37**
